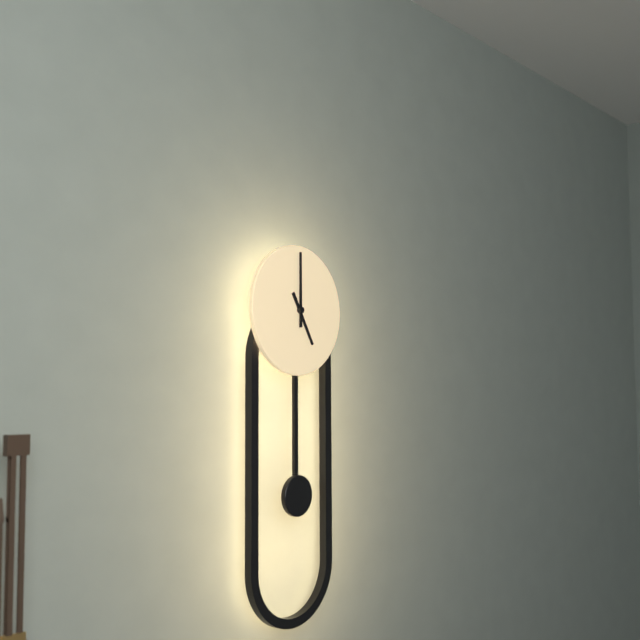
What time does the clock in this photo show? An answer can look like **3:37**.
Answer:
**5:00**
